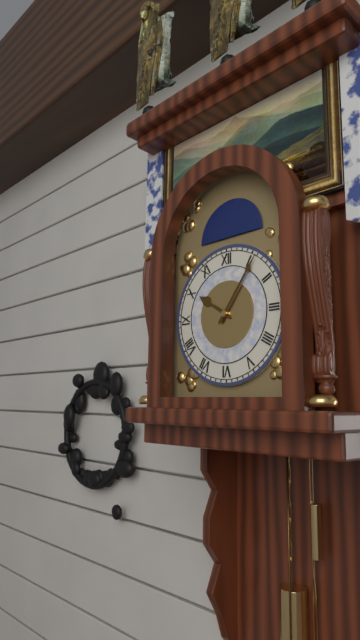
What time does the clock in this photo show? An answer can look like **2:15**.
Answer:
**10:06**
